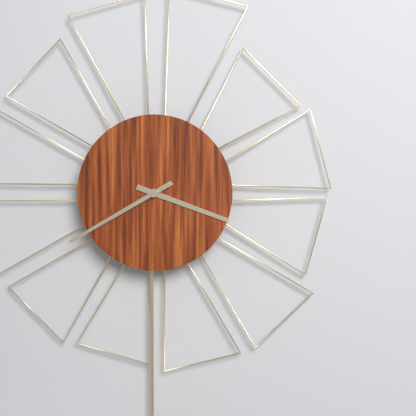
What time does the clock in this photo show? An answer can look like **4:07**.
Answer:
**3:40**
